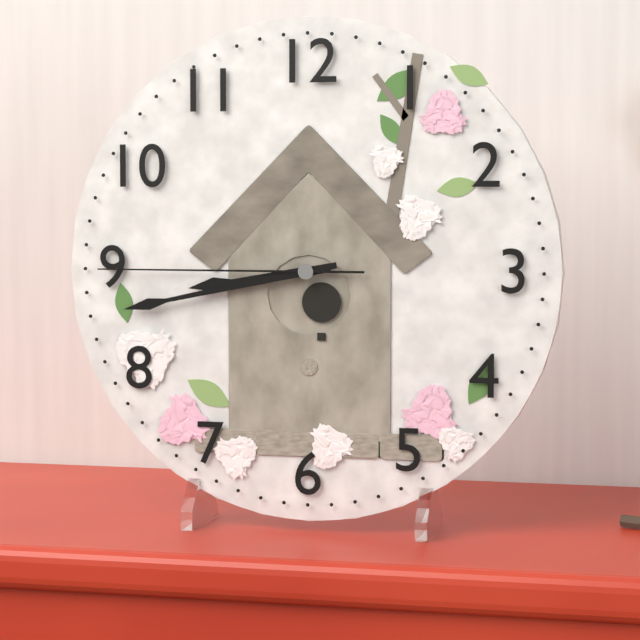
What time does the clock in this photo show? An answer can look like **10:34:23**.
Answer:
**8:43:45**
